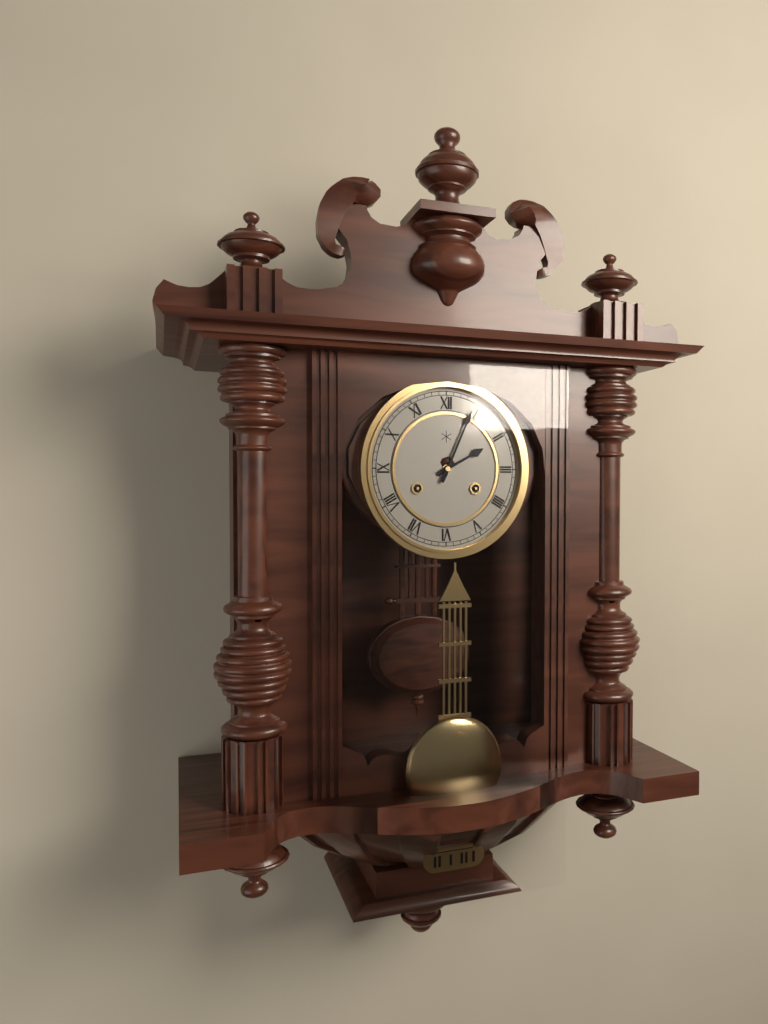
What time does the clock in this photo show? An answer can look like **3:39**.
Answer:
**2:04**
